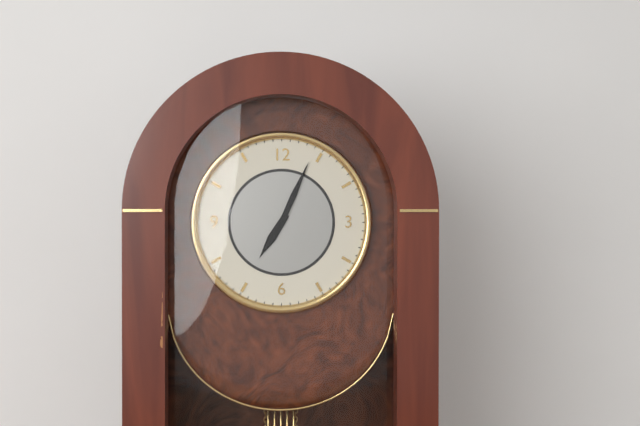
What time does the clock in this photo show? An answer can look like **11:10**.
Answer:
**7:04**
